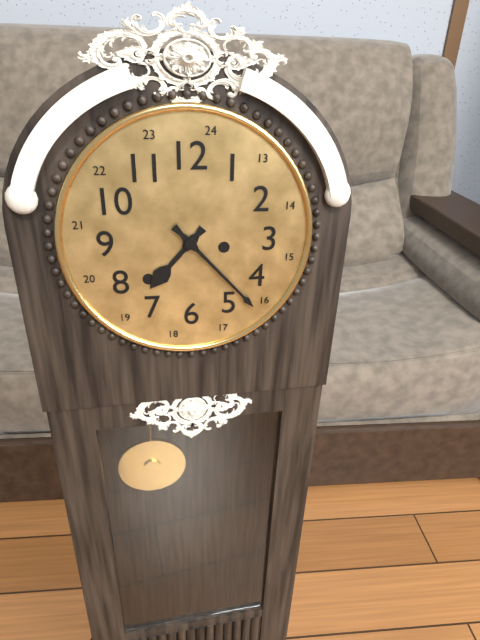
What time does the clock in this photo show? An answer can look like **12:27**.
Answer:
**7:23**
